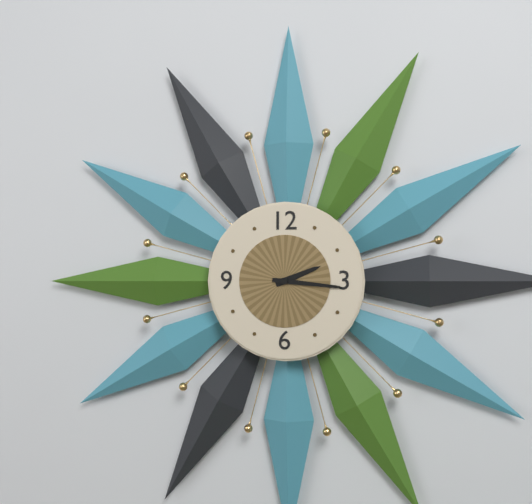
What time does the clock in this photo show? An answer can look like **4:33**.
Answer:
**2:16**
